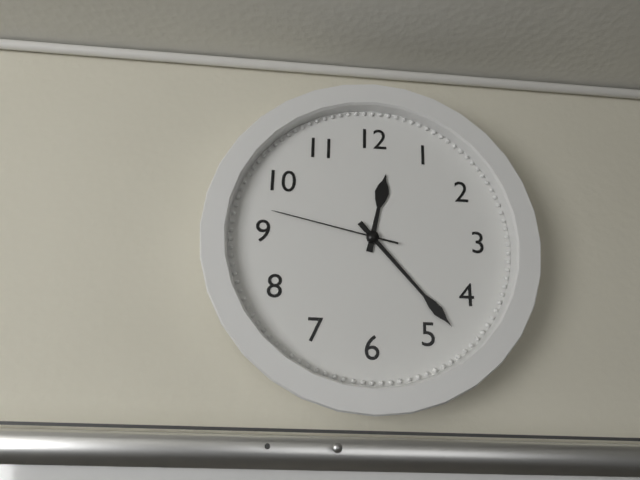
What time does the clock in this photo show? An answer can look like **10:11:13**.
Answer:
**12:23:47**
